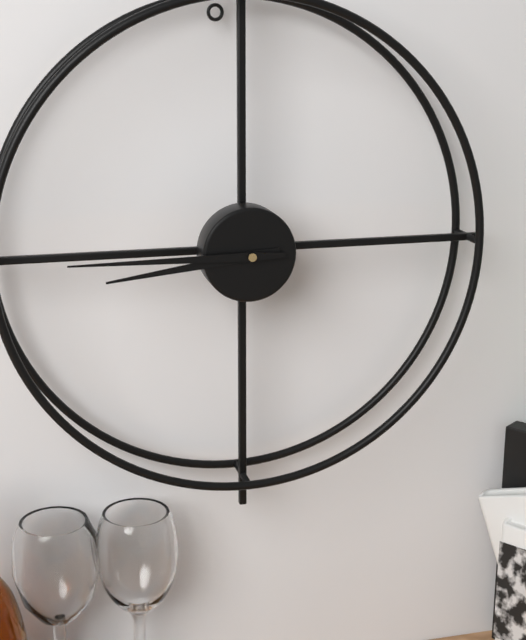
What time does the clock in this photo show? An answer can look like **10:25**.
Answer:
**8:45**
